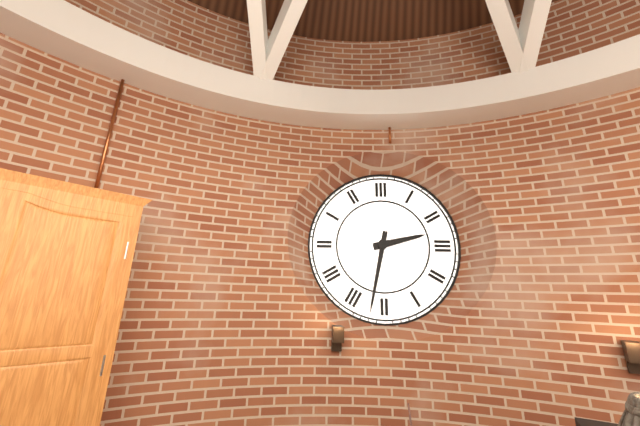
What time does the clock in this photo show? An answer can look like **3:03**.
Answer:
**2:32**
